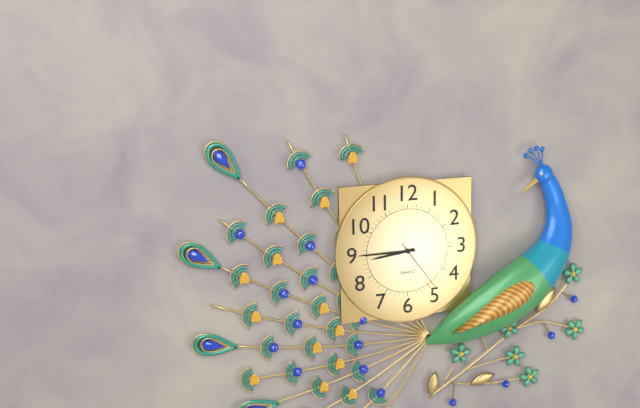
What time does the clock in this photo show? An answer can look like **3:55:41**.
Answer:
**8:45:24**
